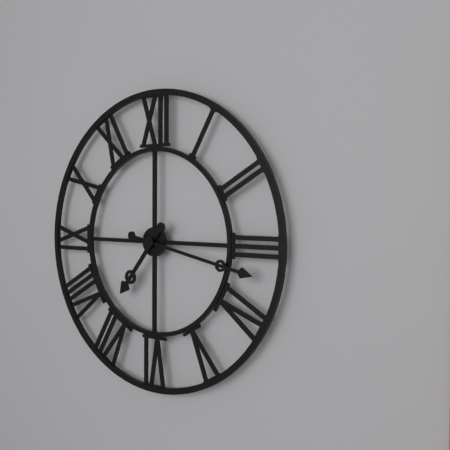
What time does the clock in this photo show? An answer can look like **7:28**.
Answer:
**7:17**
